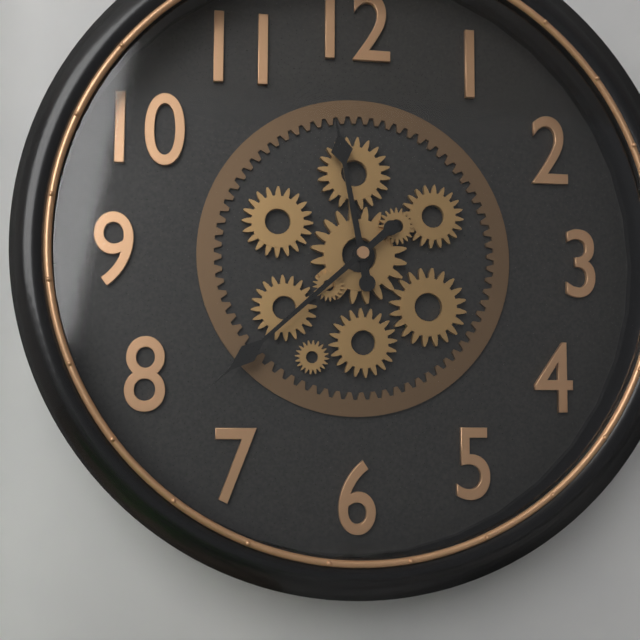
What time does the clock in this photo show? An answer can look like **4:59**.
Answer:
**11:38**
